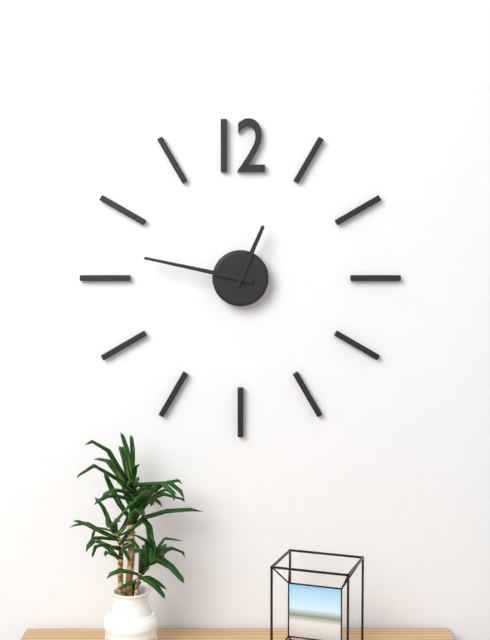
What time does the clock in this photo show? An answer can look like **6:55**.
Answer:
**12:47**
